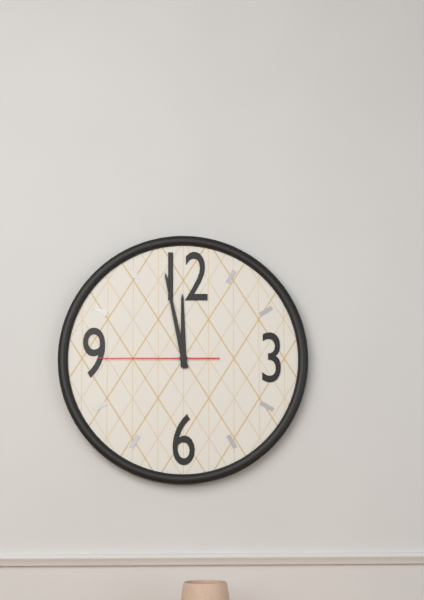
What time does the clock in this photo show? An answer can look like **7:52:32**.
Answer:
**11:58:45**
